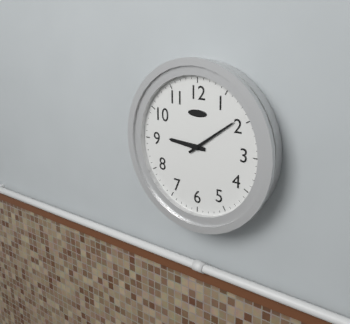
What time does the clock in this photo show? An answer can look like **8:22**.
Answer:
**9:09**
